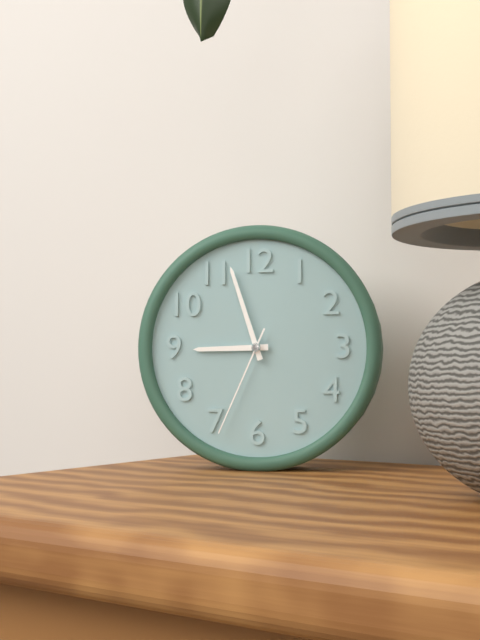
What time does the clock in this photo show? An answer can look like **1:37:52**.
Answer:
**8:57:34**
